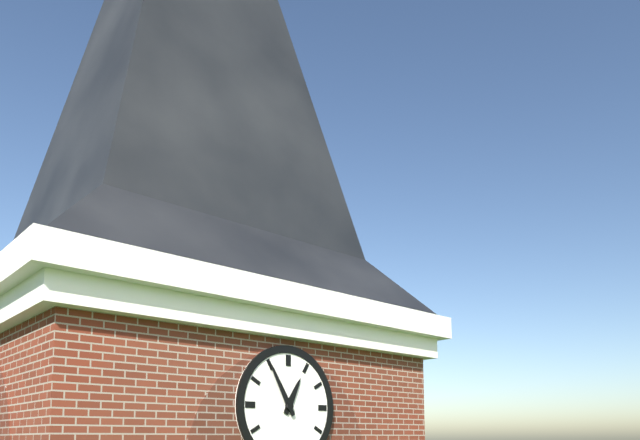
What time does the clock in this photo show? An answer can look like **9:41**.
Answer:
**12:55**
